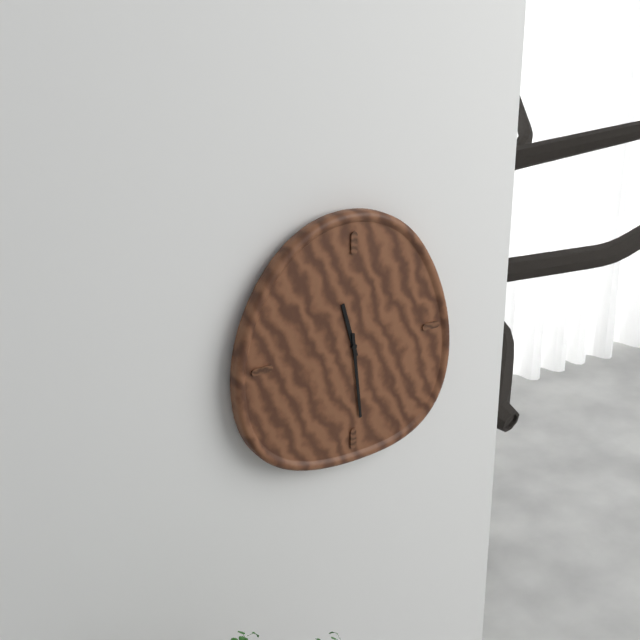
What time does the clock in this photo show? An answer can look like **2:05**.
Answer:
**11:29**
